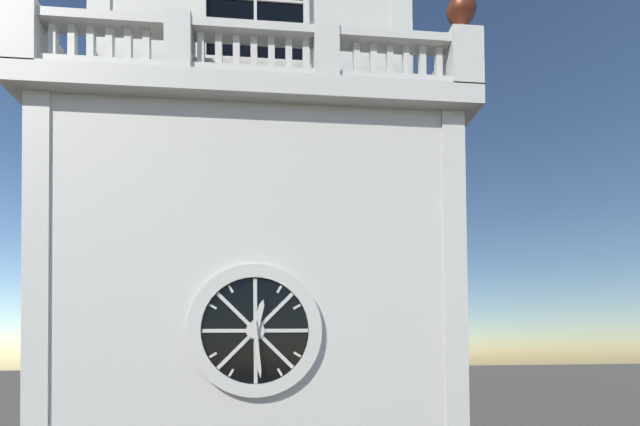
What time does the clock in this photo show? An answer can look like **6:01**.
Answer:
**12:29**
